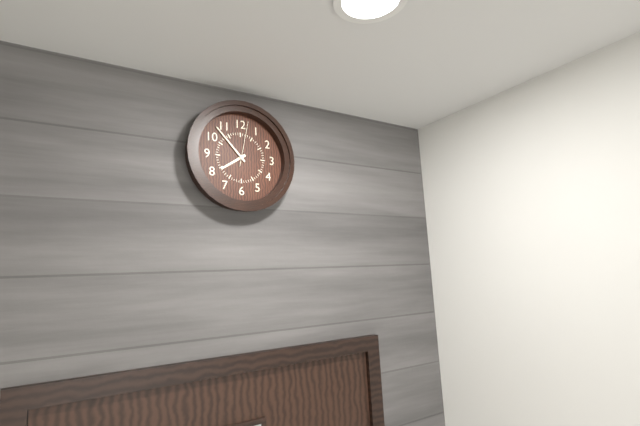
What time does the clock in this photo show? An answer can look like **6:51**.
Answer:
**7:53**
